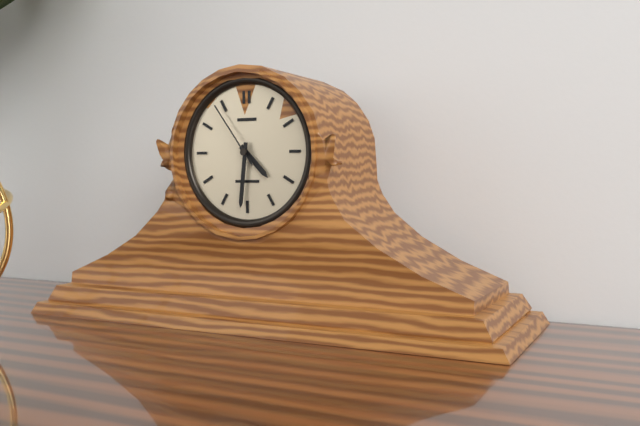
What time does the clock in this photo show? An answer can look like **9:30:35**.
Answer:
**4:31:54**
